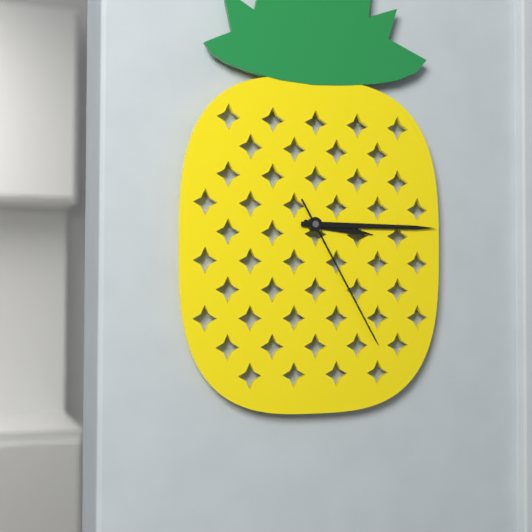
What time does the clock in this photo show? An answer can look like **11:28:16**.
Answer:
**3:15:25**
